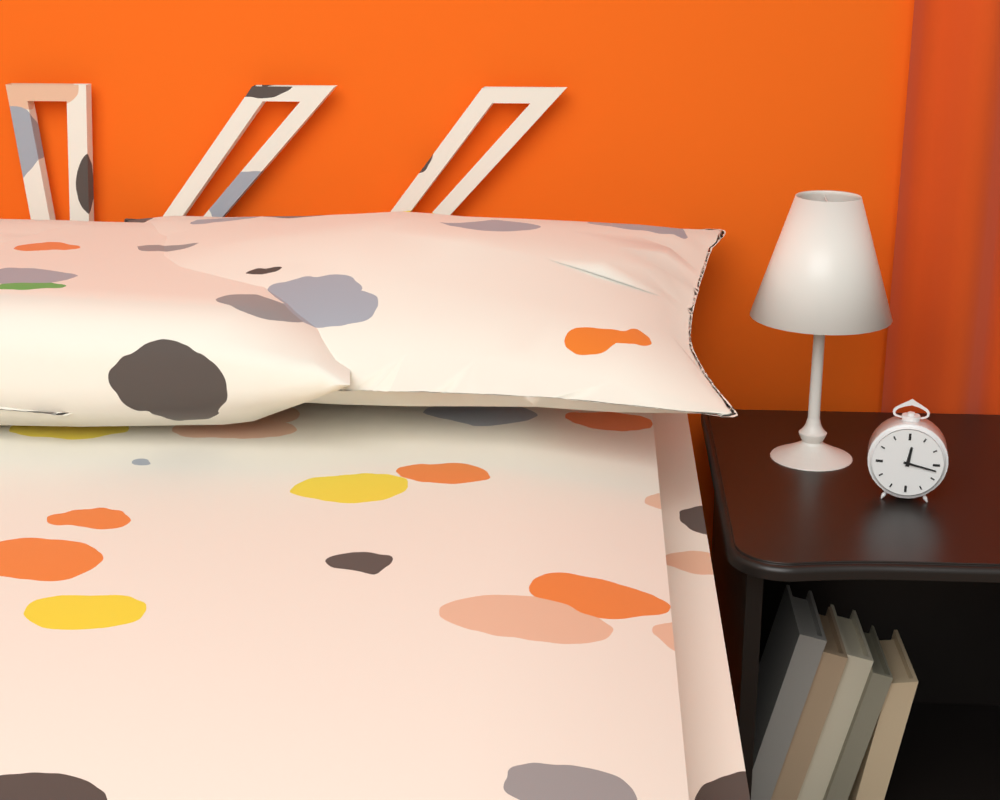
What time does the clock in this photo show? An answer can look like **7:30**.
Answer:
**12:17**
